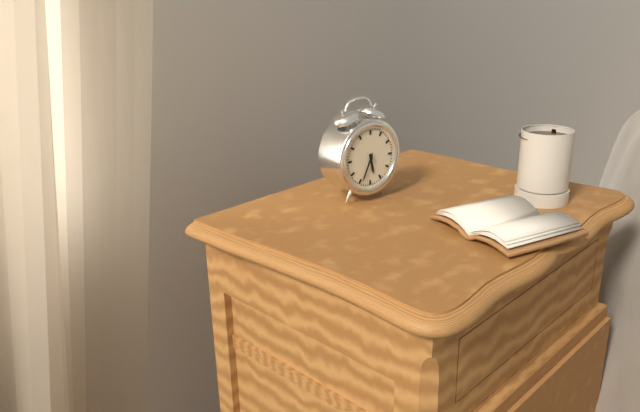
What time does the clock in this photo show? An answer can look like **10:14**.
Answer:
**5:34**
